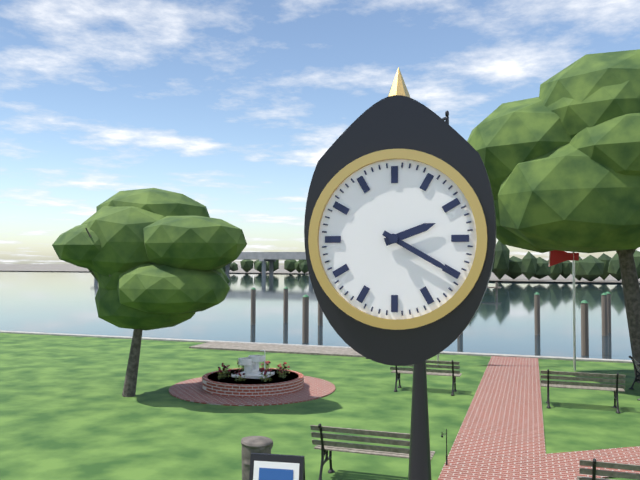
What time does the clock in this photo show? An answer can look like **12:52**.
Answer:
**2:20**
